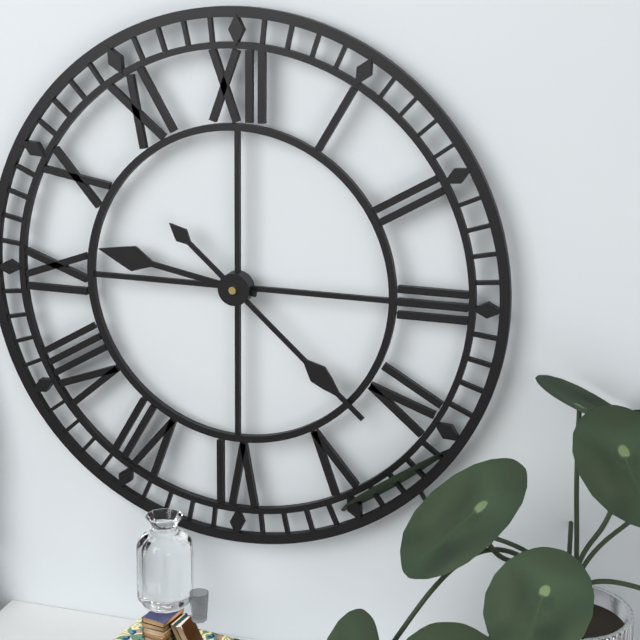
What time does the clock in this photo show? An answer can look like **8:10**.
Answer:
**9:22**
